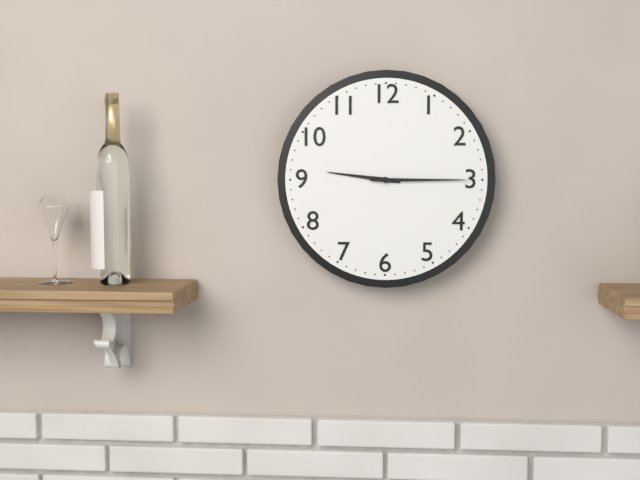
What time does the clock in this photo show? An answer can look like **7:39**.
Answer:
**9:15**
